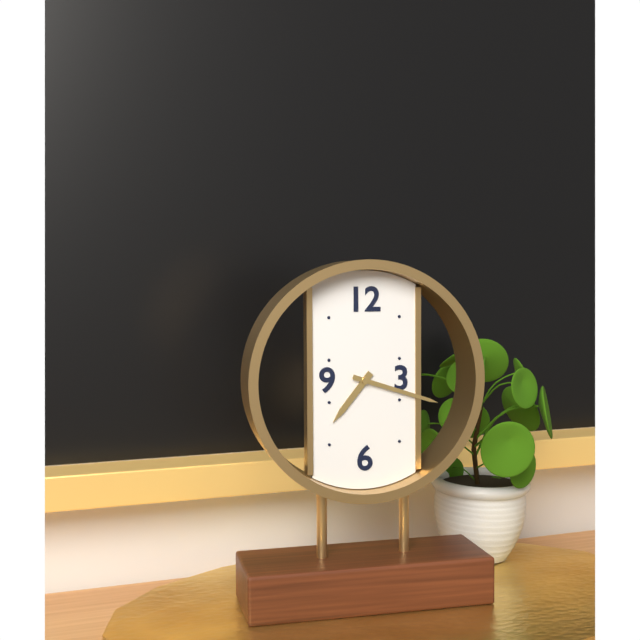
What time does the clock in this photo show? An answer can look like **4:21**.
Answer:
**7:18**
